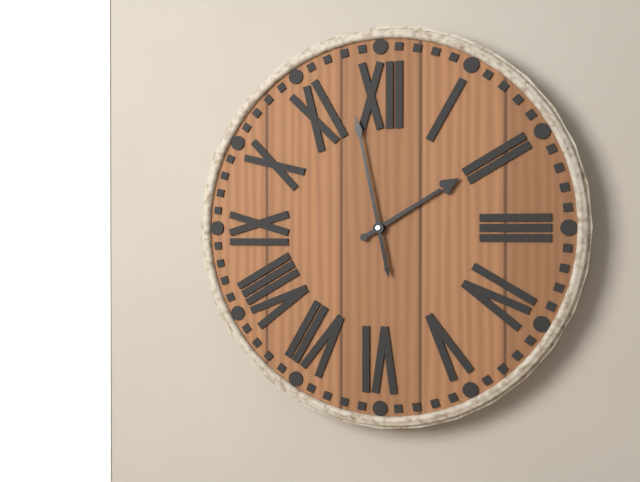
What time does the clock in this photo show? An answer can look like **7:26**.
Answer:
**1:58**
